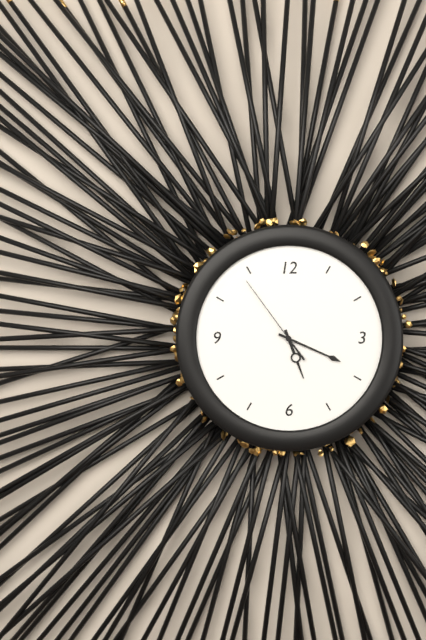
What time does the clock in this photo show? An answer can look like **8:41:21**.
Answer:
**5:19:54**
